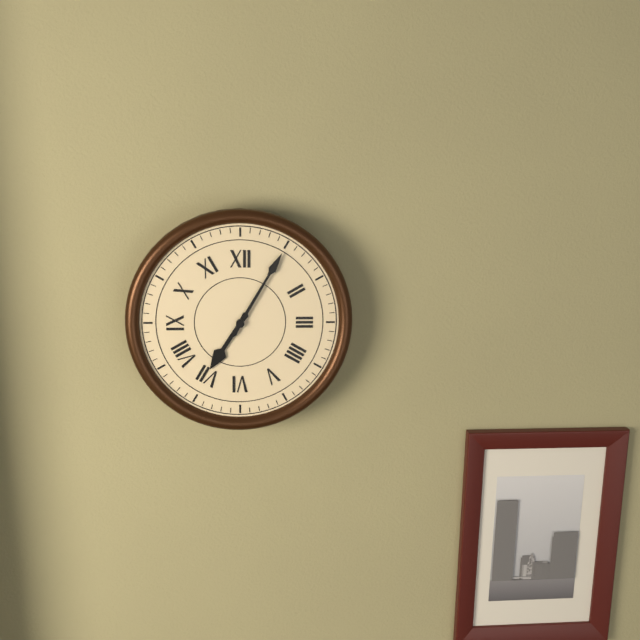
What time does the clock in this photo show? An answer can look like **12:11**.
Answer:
**7:05**
